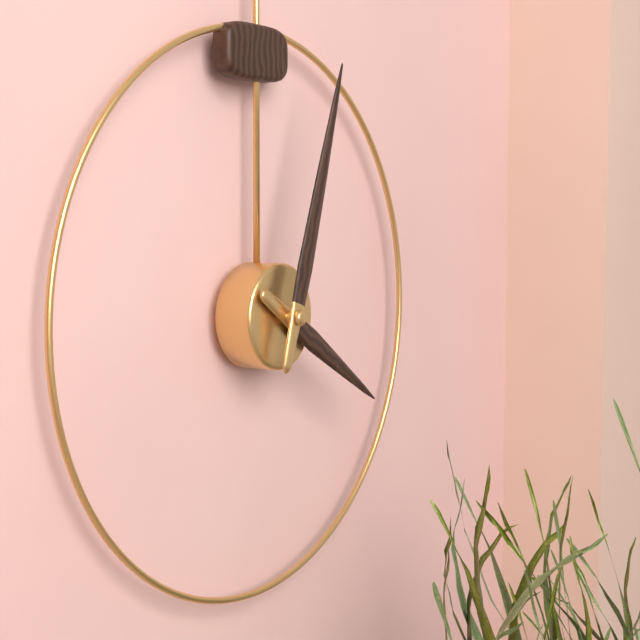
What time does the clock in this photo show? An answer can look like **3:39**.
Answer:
**4:03**
